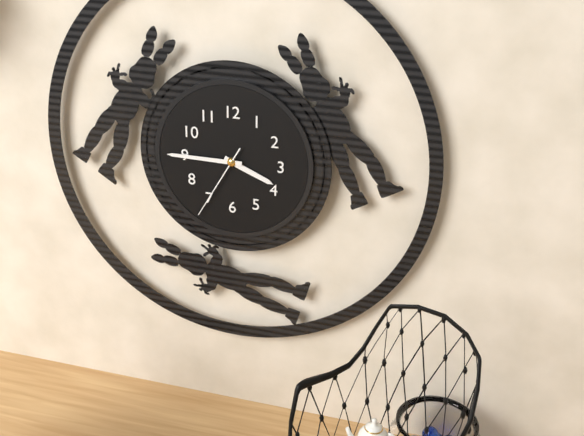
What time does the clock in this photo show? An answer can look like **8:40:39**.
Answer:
**3:45:35**
